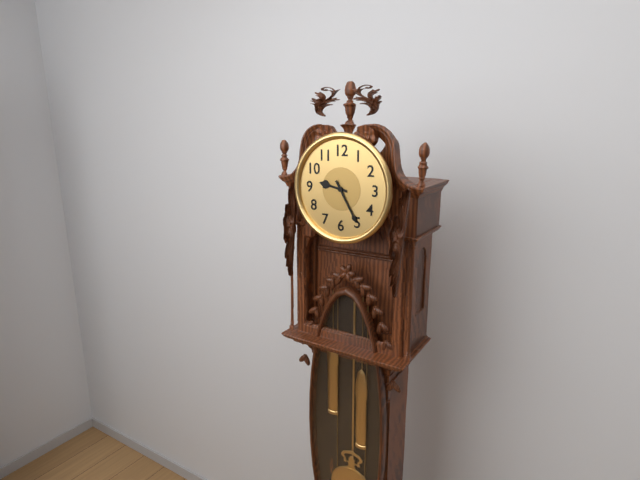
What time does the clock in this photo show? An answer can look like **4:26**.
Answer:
**9:25**
